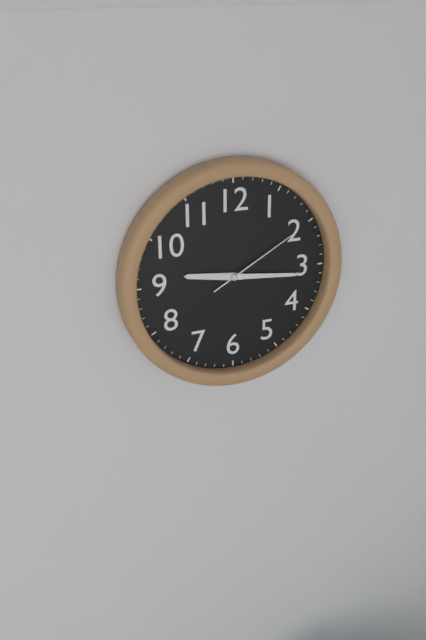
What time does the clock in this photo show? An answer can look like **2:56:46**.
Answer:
**9:16:10**
